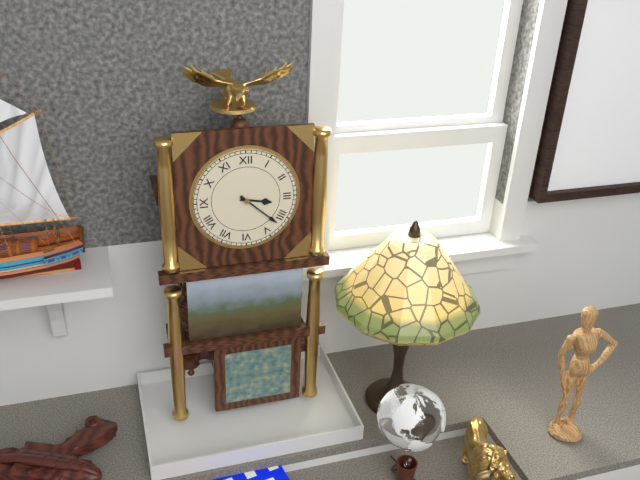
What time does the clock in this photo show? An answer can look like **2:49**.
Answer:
**3:22**
